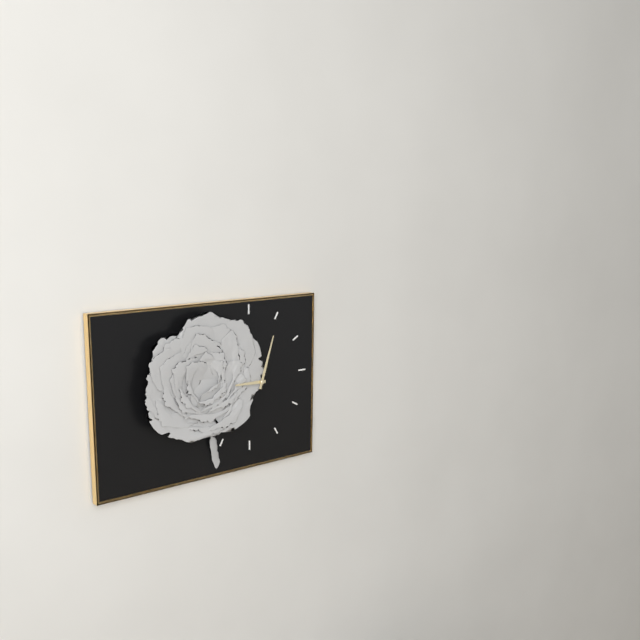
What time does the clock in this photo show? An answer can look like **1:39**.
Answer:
**9:03**
